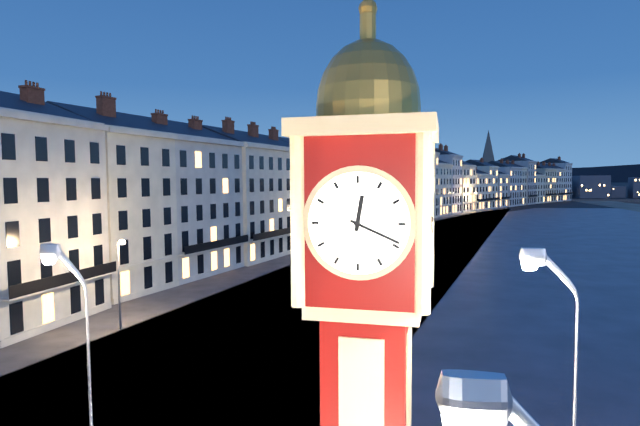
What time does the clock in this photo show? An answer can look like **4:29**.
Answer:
**12:19**
